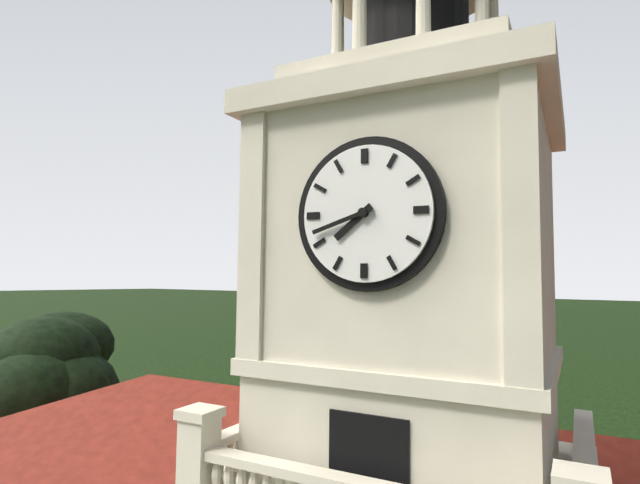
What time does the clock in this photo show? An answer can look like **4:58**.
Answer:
**7:42**
